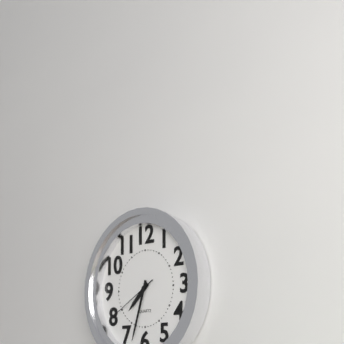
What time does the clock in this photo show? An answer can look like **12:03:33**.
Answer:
**7:33:40**
